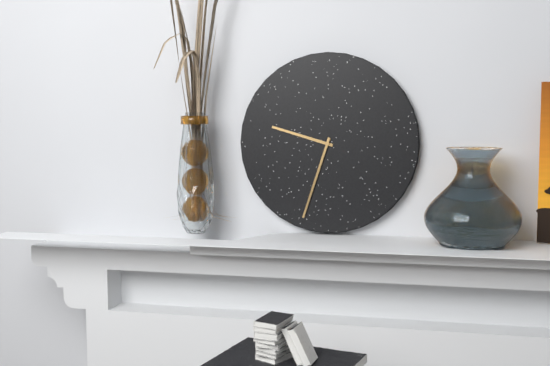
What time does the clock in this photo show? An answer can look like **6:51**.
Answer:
**9:33**
